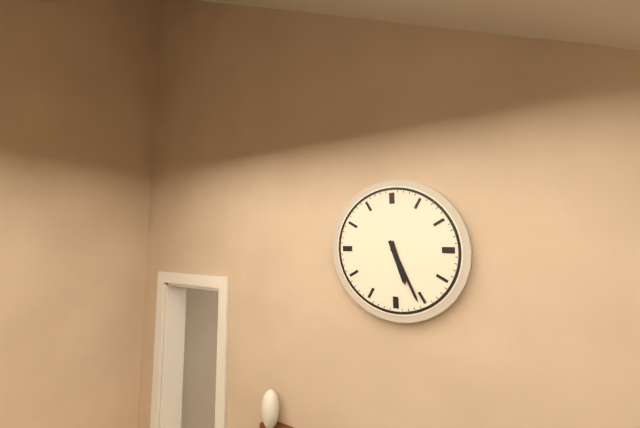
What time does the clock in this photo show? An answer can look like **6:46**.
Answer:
**5:26**
